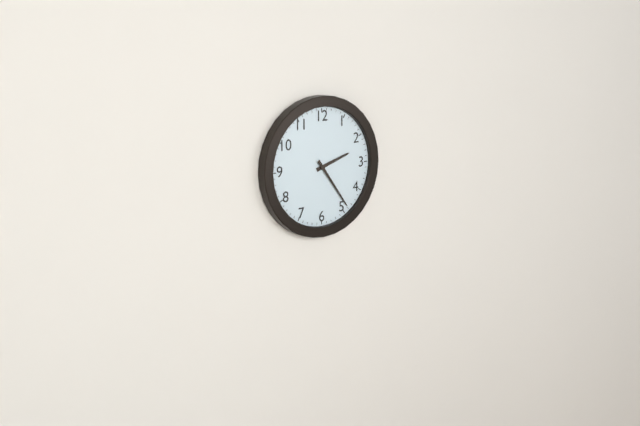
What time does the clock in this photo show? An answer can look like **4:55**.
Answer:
**2:24**
